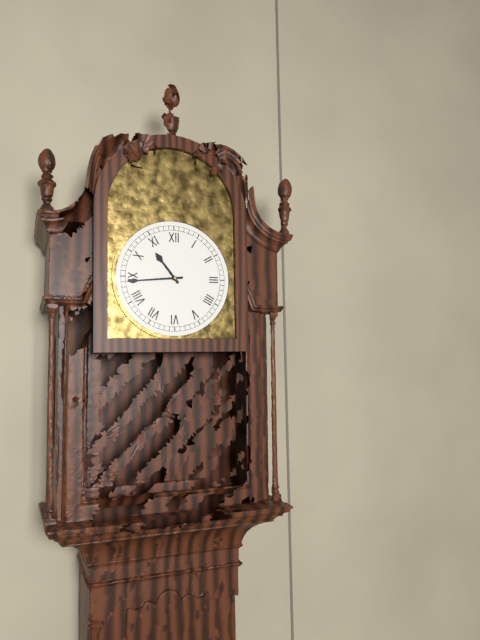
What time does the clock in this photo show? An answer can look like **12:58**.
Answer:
**10:44**
